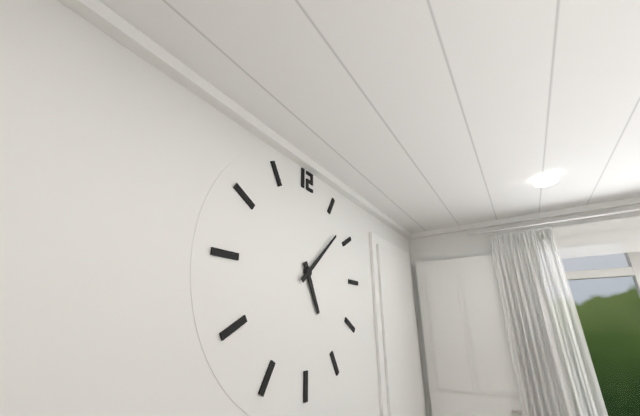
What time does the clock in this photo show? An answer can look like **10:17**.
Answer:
**5:08**
